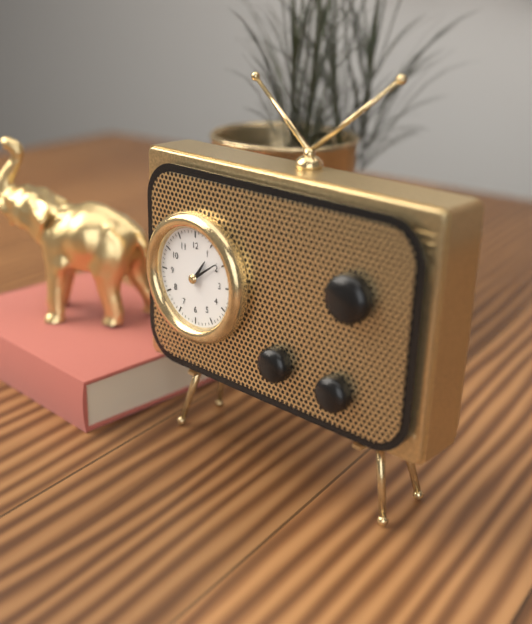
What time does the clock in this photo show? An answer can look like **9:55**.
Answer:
**1:09**
